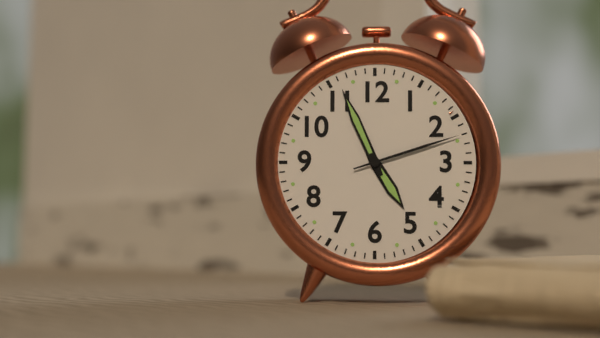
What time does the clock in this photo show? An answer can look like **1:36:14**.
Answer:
**4:56:12**
